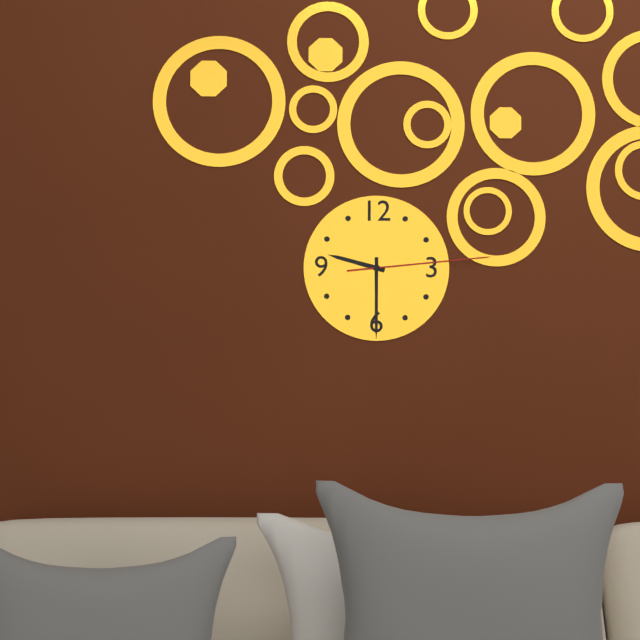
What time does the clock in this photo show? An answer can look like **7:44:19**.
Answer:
**9:30:14**
